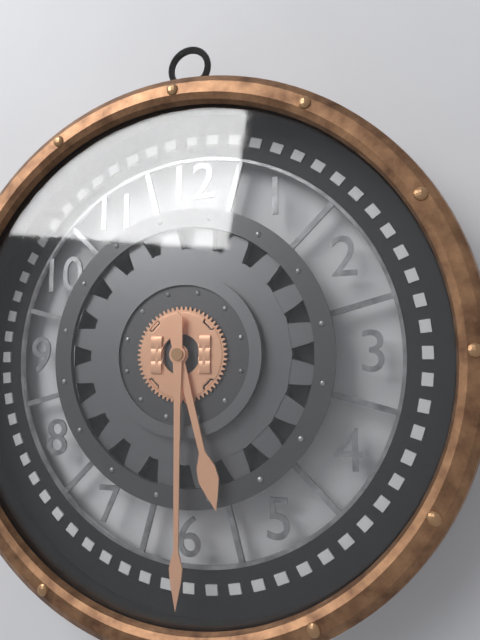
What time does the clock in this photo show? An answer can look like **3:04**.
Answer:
**5:30**
